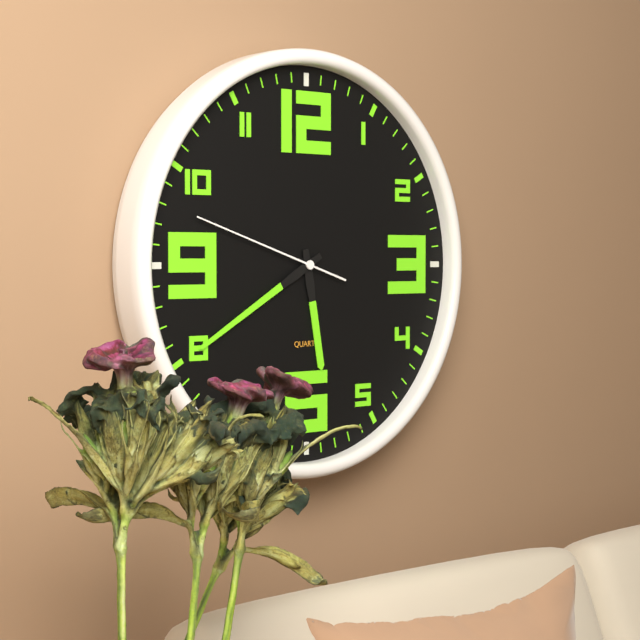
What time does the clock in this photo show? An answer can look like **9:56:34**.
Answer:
**5:40:48**
